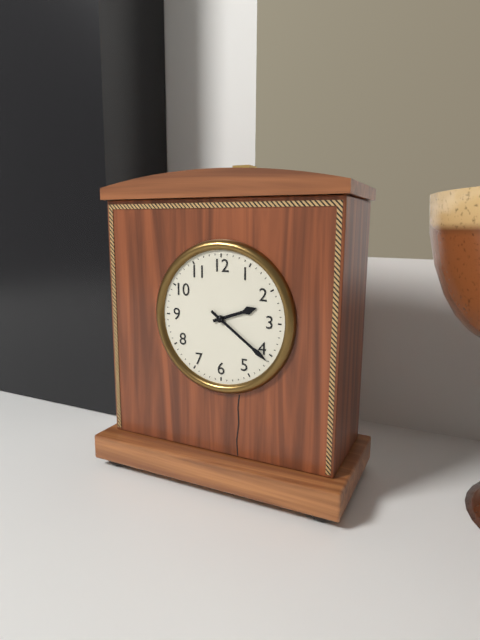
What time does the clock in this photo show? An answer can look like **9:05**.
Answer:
**2:21**
